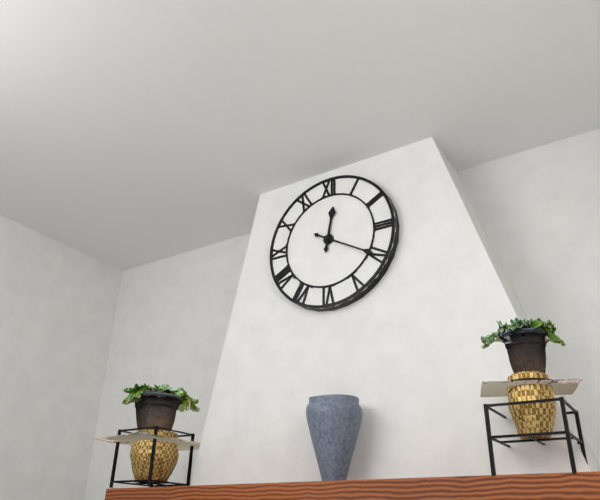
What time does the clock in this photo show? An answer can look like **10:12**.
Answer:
**12:20**
